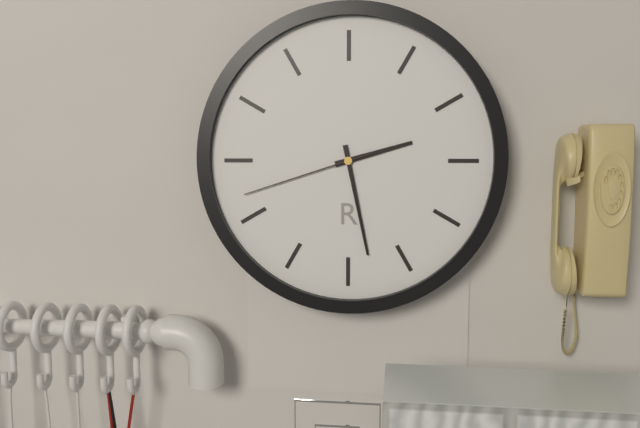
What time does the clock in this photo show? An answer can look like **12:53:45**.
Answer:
**2:28:42**
